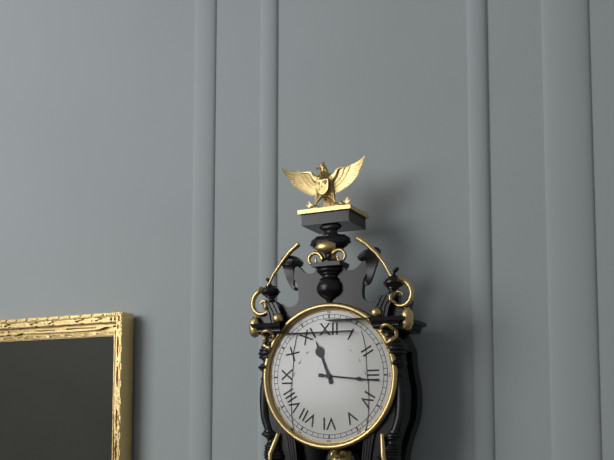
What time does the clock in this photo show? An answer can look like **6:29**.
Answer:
**11:16**
